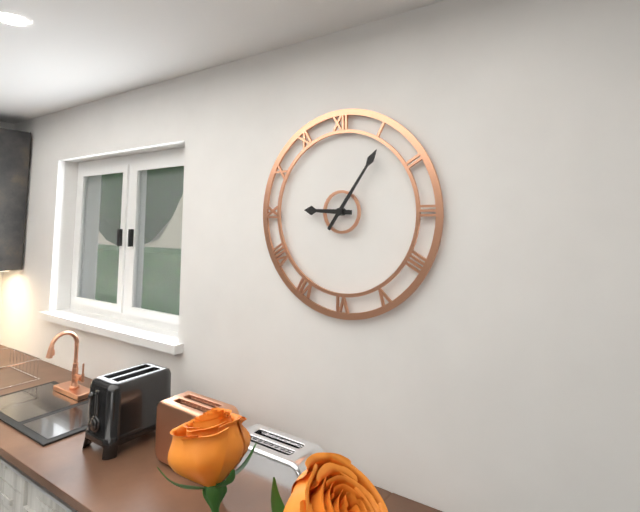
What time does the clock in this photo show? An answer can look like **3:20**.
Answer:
**9:06**
